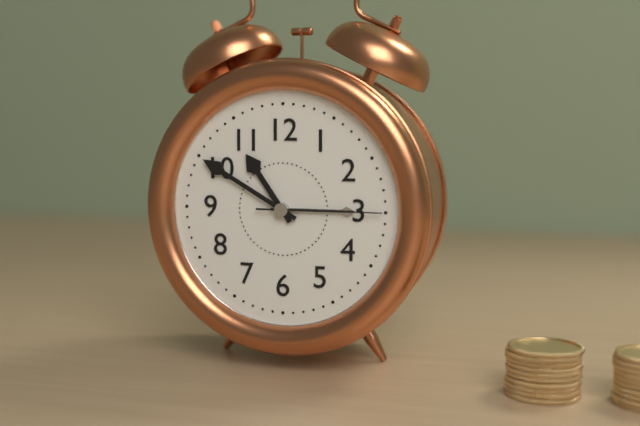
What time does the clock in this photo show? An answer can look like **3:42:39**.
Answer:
**10:50:15**
